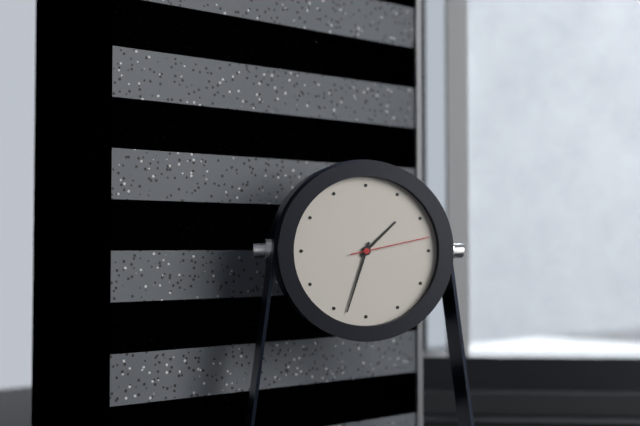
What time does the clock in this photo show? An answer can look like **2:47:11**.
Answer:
**1:33:13**
